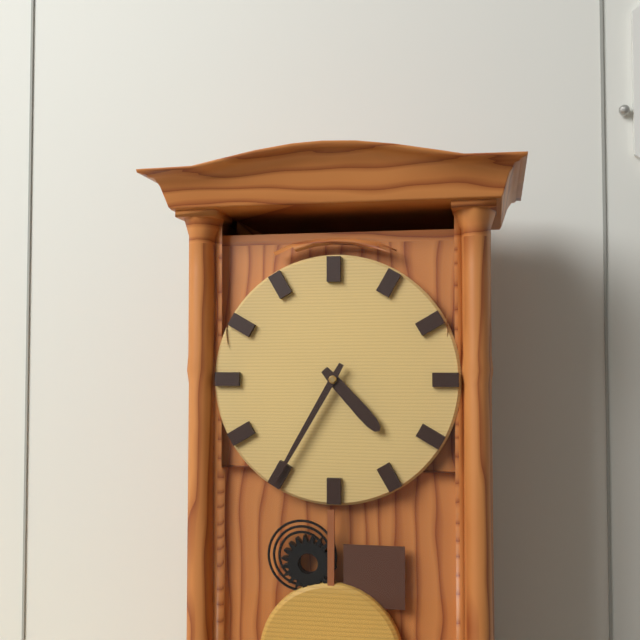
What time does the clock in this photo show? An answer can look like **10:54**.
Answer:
**4:35**
